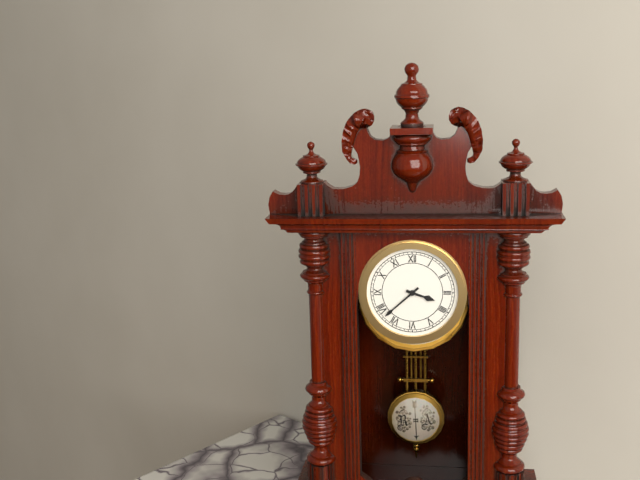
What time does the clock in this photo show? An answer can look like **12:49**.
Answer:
**3:38**
